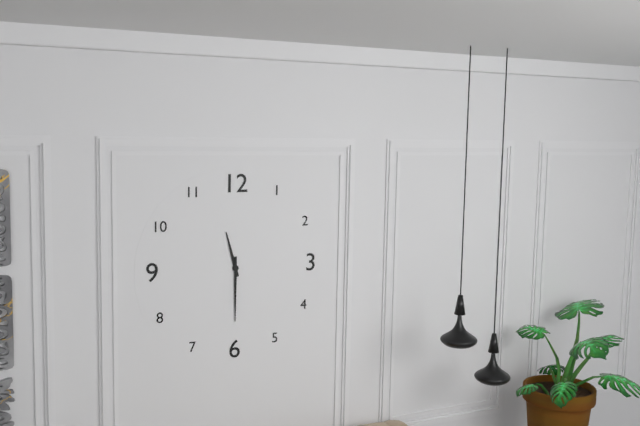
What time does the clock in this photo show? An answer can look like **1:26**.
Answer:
**11:30**
